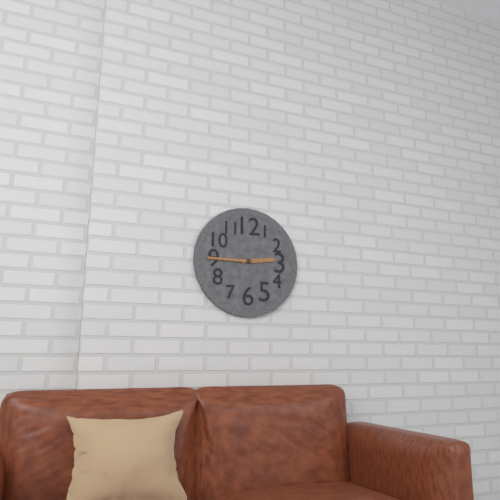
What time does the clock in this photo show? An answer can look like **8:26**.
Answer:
**2:45**
